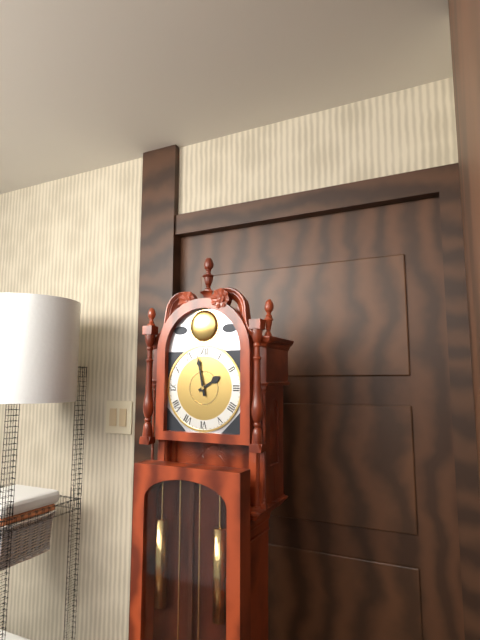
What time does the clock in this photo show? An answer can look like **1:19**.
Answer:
**1:58**
